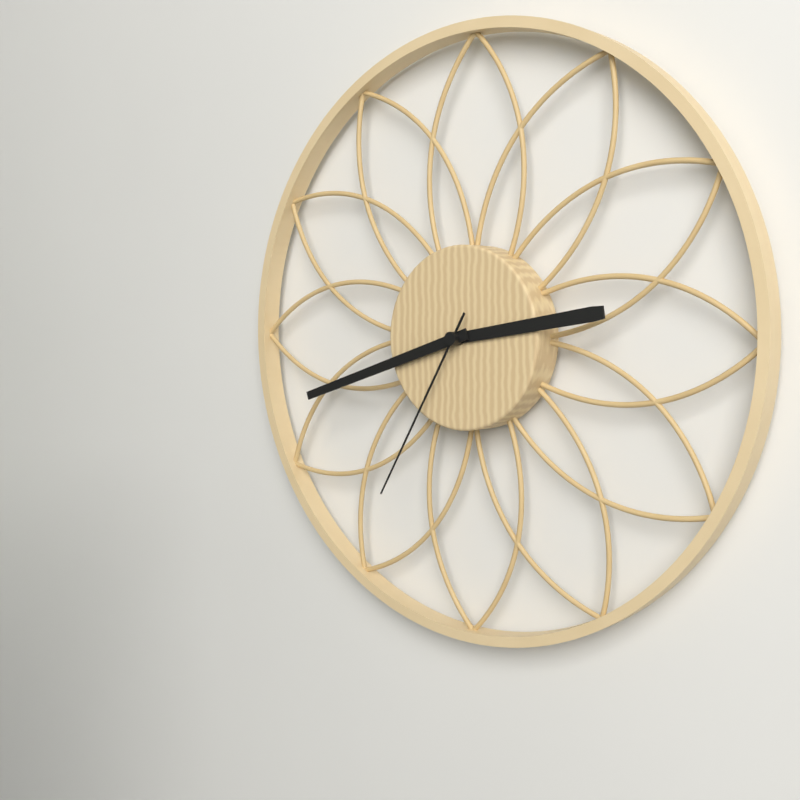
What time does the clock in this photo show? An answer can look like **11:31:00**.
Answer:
**2:42:35**
